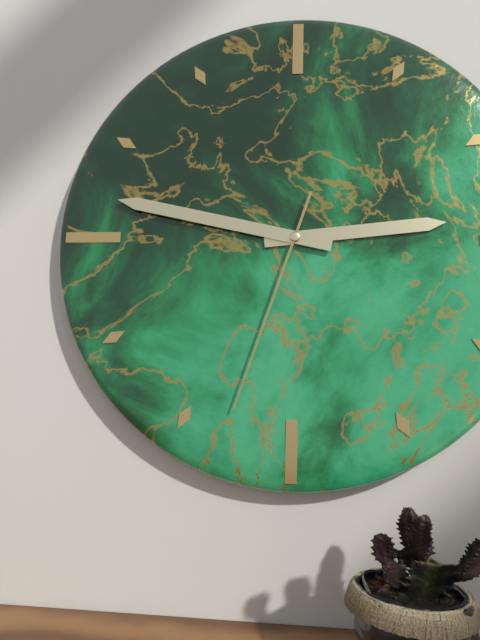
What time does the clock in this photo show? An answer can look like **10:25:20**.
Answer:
**2:47:33**
